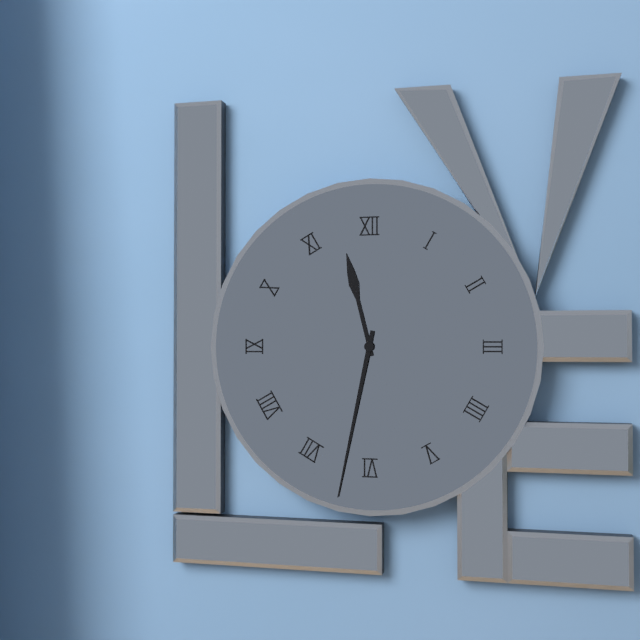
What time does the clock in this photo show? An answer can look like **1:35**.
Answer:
**11:32**
